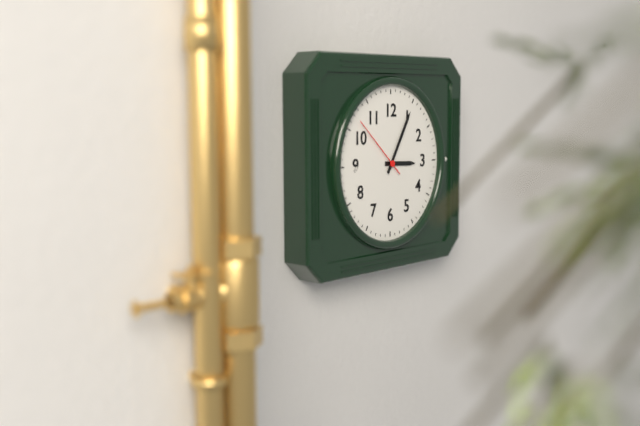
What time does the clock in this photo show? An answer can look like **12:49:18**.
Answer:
**3:05:52**
